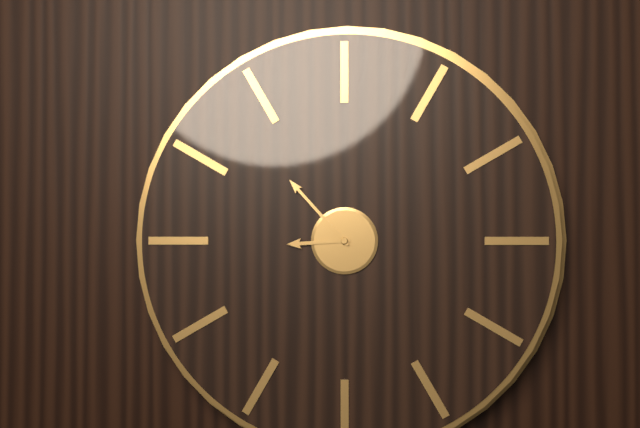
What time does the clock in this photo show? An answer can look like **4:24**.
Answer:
**8:53**
